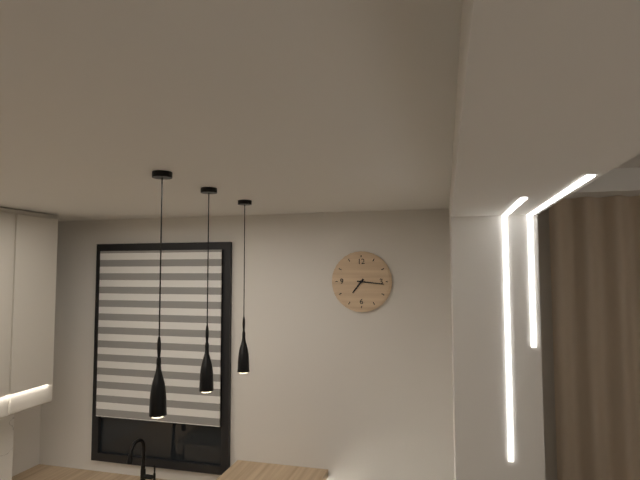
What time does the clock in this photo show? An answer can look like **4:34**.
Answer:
**7:16**
